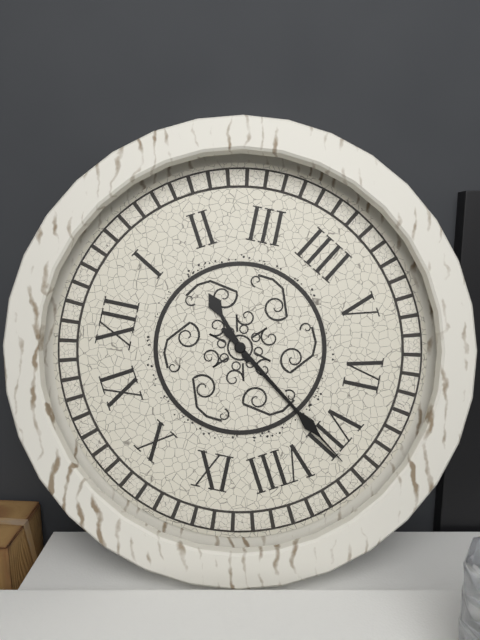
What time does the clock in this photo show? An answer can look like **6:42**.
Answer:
**1:36**
